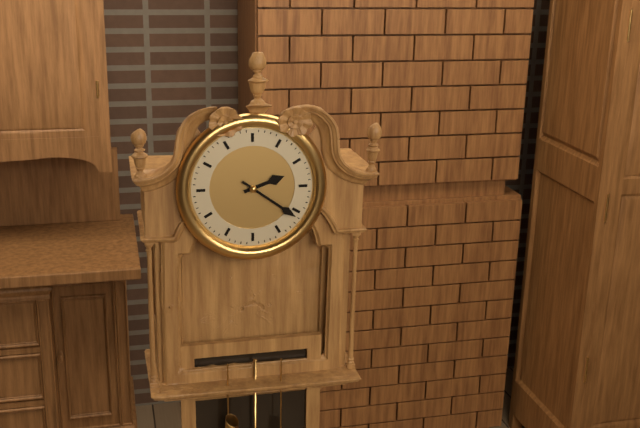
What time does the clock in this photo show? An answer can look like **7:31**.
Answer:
**2:21**
